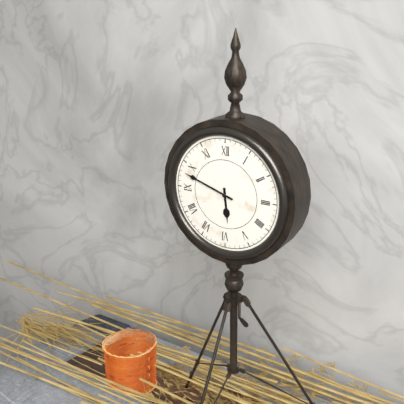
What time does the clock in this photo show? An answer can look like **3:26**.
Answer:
**5:48**
